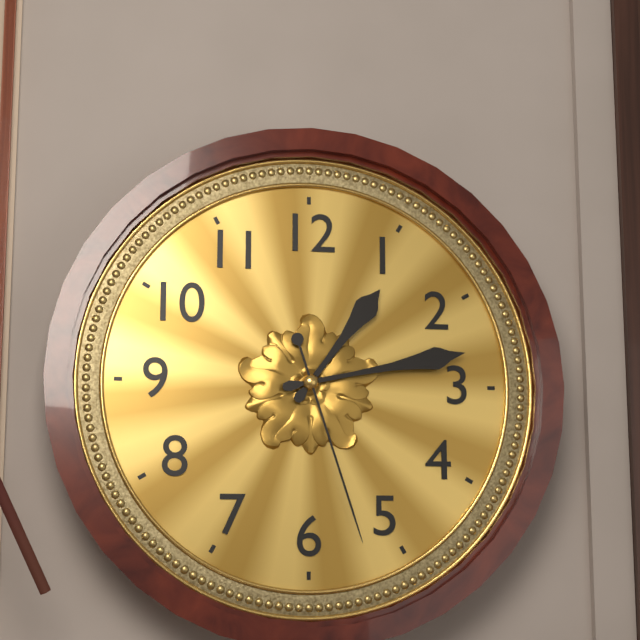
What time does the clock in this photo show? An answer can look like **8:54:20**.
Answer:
**1:13:27**
